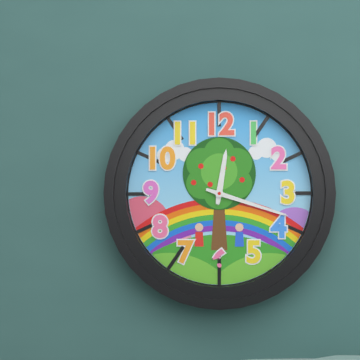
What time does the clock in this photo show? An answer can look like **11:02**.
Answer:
**12:18**
